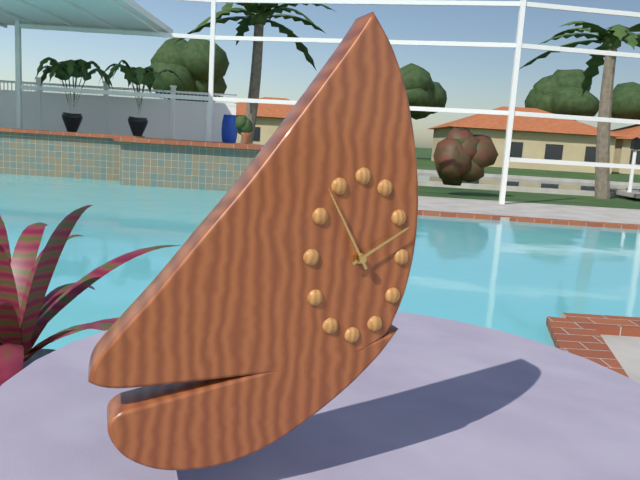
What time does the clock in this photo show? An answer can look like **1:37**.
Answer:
**1:55**
